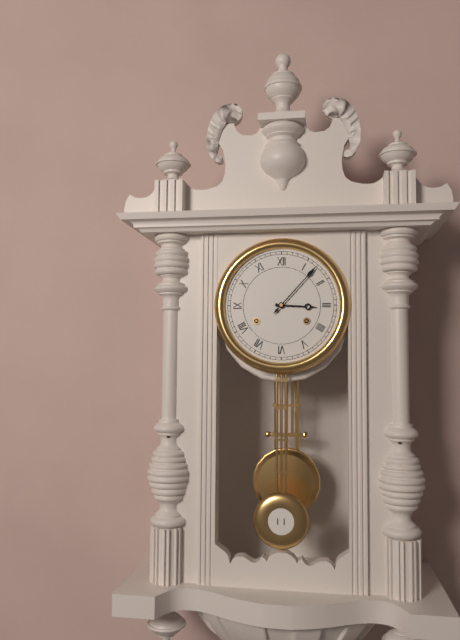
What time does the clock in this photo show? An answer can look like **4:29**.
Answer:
**3:07**
